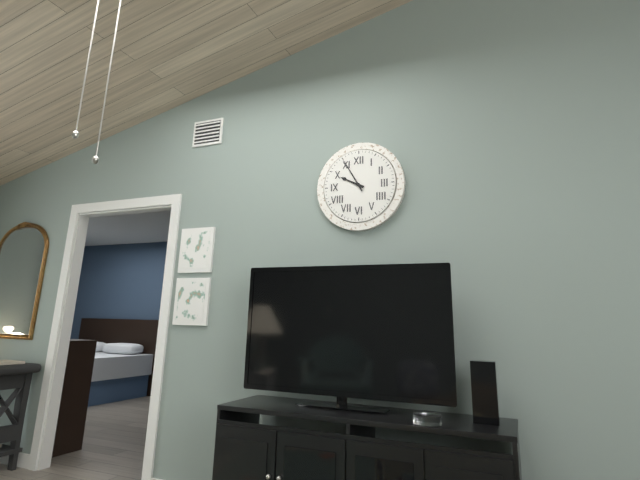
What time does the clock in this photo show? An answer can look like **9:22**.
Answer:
**9:55**
